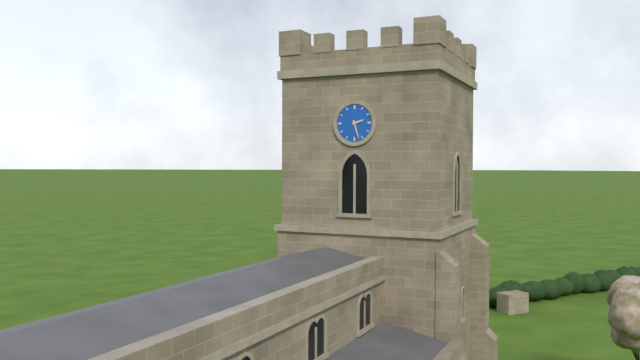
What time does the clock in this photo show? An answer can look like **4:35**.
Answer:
**2:27**
